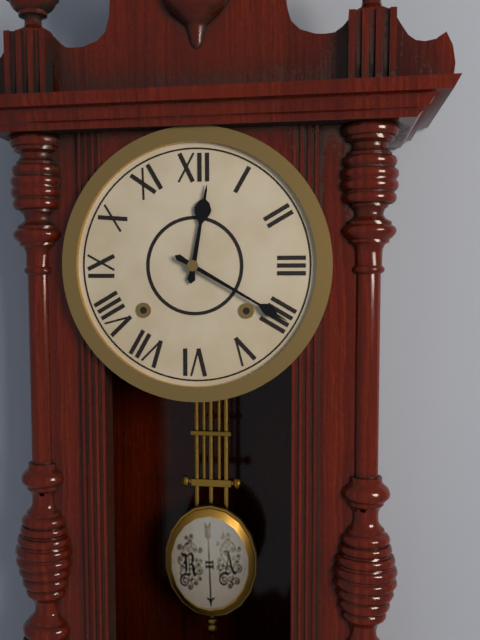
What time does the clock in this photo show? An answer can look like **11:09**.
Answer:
**12:20**
